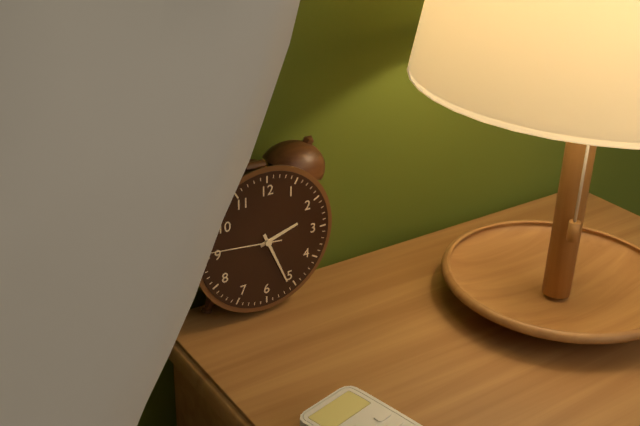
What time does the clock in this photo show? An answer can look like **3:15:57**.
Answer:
**2:26:46**
